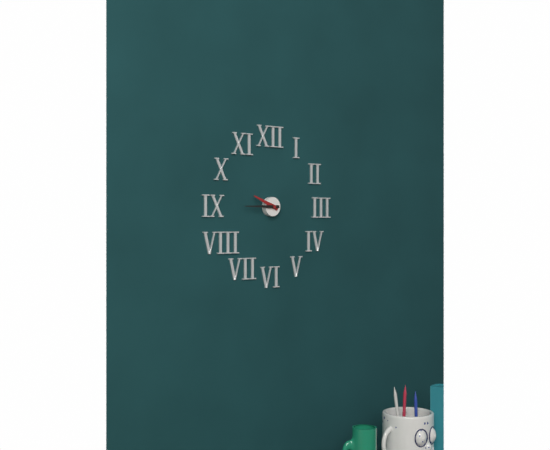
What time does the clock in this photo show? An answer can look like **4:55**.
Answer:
**9:45**
